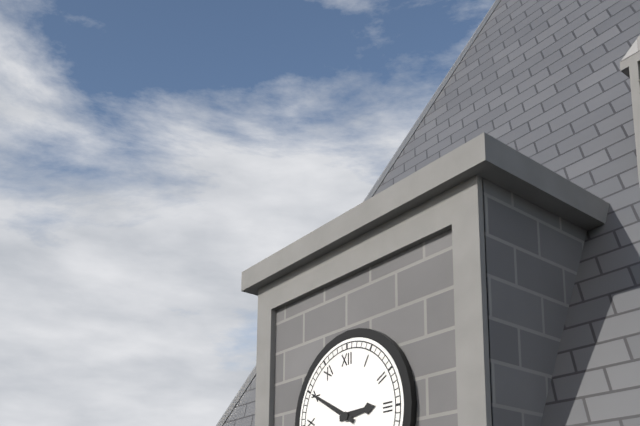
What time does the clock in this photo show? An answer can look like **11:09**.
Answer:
**2:50**
